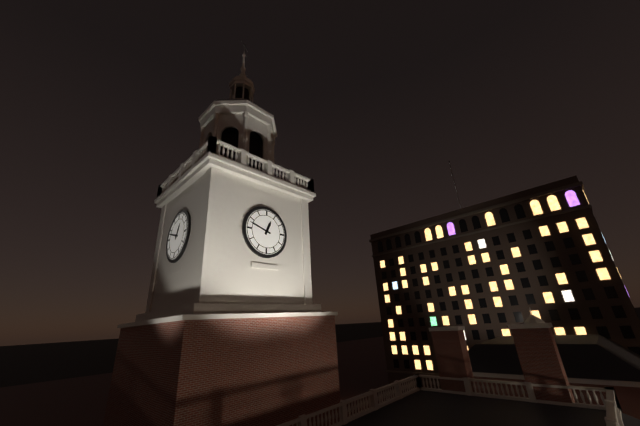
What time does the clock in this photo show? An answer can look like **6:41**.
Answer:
**12:48**
